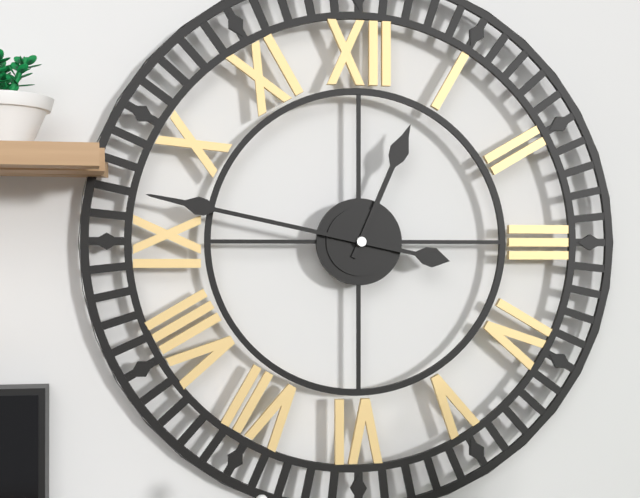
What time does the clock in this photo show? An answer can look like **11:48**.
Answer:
**12:47**
